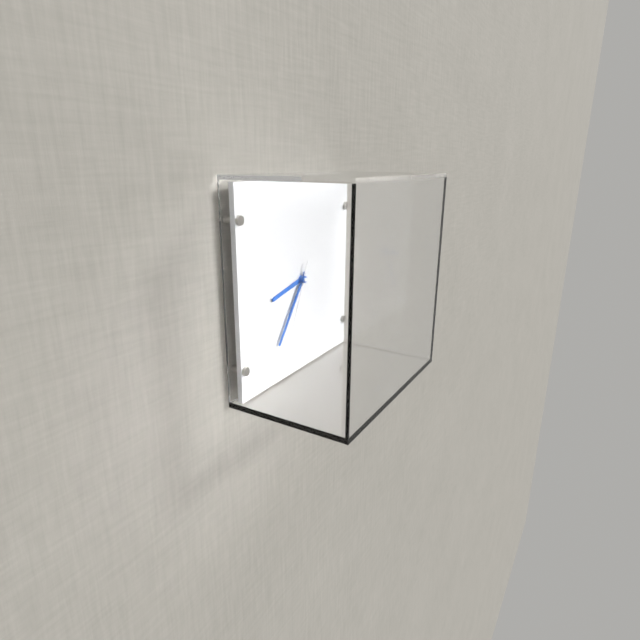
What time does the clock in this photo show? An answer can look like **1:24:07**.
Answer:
**8:36:34**
